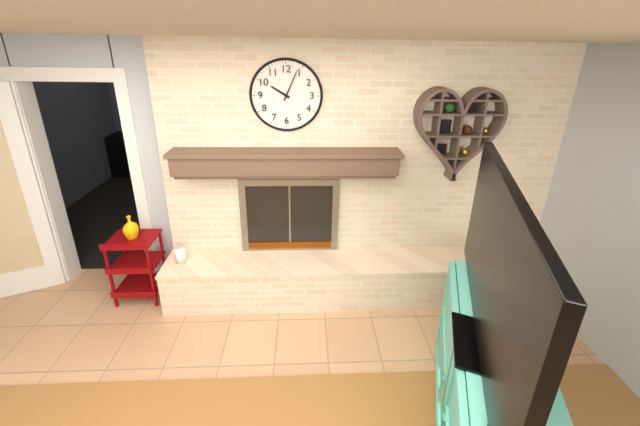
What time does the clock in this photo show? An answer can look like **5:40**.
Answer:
**10:04**
